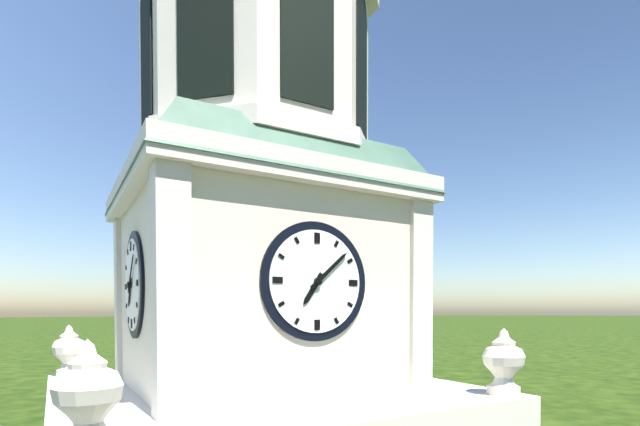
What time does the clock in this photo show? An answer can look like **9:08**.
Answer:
**7:08**
